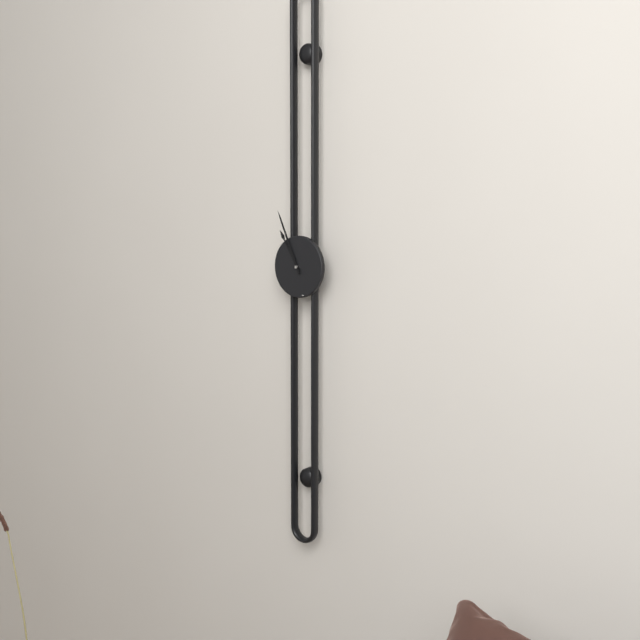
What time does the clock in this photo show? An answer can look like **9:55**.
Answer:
**10:56**
